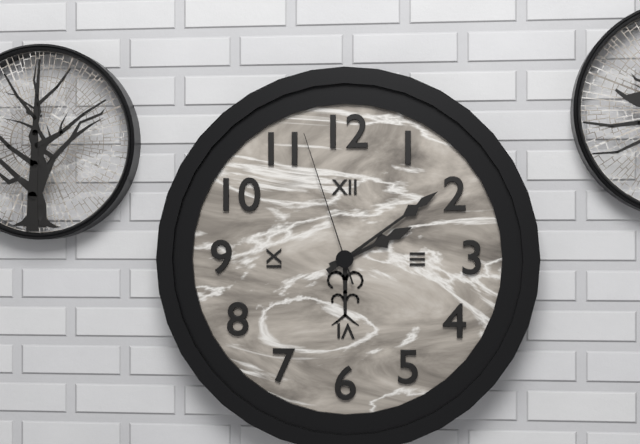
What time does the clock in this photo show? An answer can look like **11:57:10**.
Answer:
**2:09:57**
